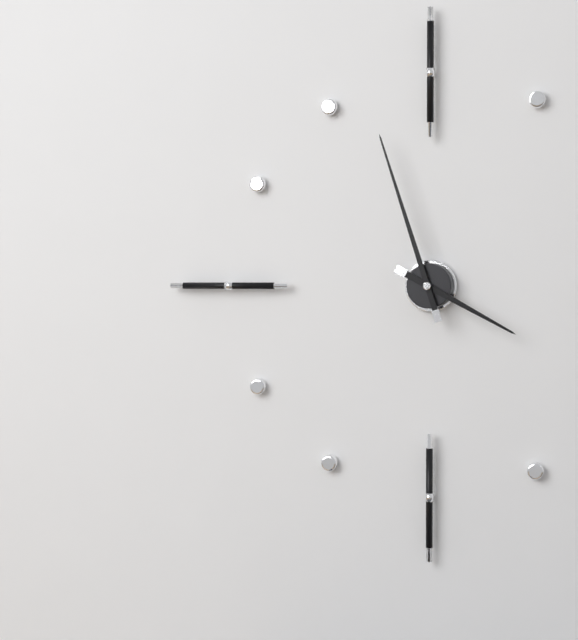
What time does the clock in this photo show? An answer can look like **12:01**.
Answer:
**3:57**
